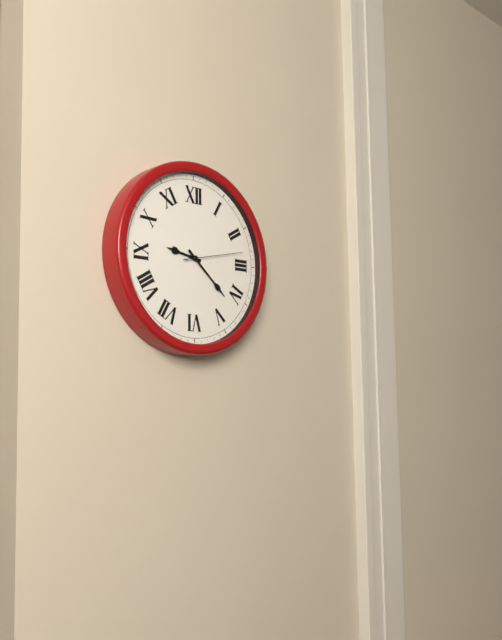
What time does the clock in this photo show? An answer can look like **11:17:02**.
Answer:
**9:22:13**
